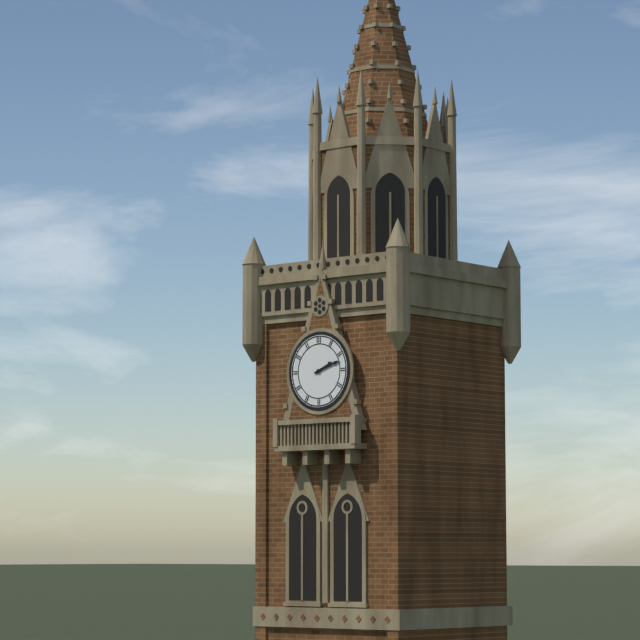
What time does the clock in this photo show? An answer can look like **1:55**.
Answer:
**2:12**
